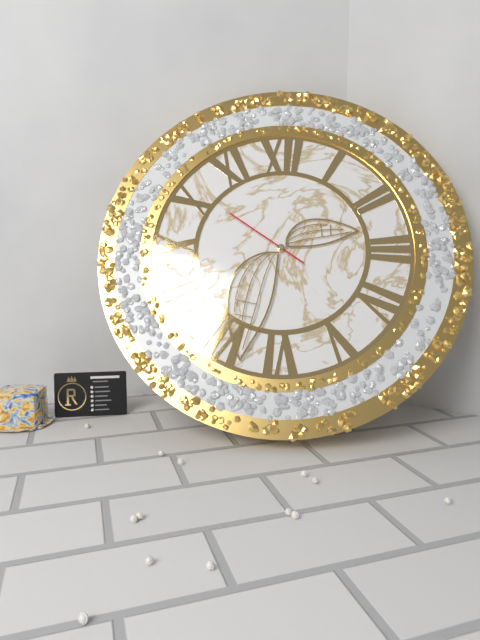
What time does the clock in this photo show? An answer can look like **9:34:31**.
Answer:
**2:33:51**
